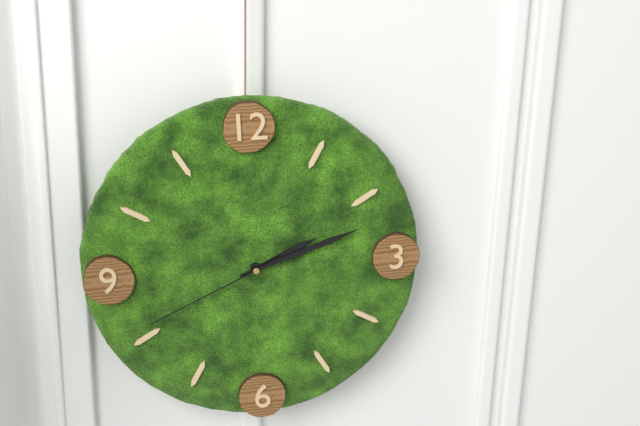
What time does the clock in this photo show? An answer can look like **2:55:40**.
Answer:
**2:12:41**
